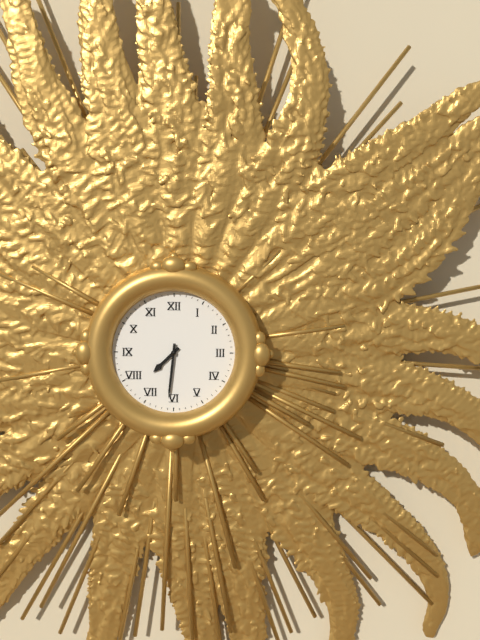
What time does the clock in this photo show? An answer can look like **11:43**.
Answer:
**7:31**
